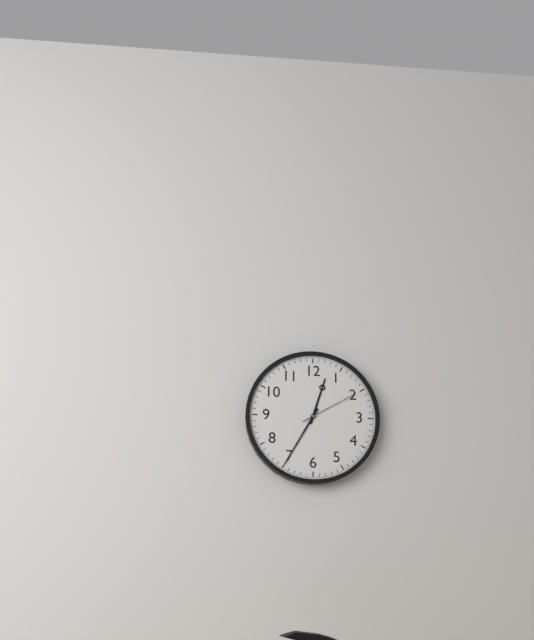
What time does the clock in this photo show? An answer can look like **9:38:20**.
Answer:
**12:35:10**
